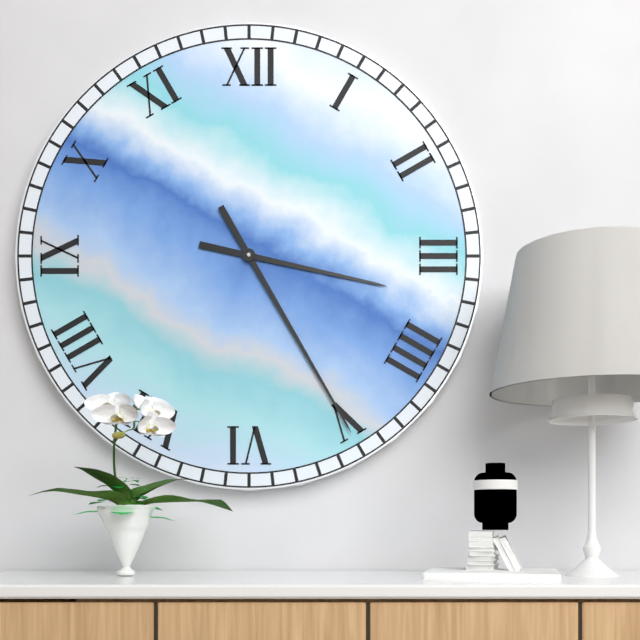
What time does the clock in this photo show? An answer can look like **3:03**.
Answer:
**3:25**
